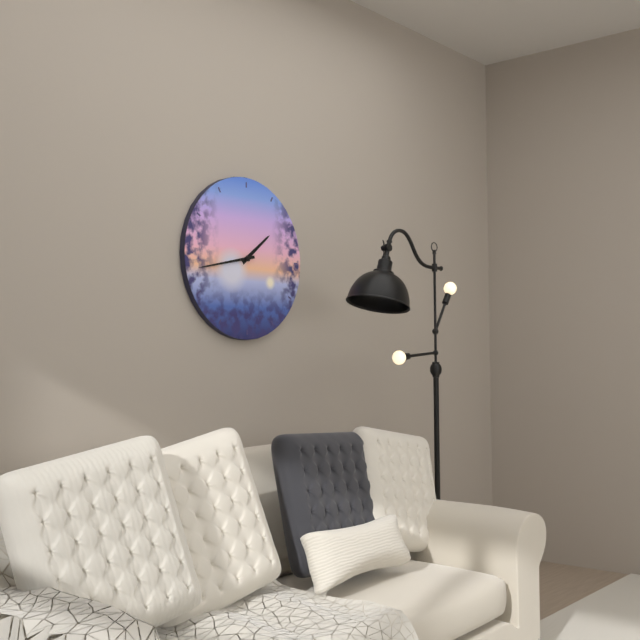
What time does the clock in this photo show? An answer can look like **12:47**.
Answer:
**1:43**
